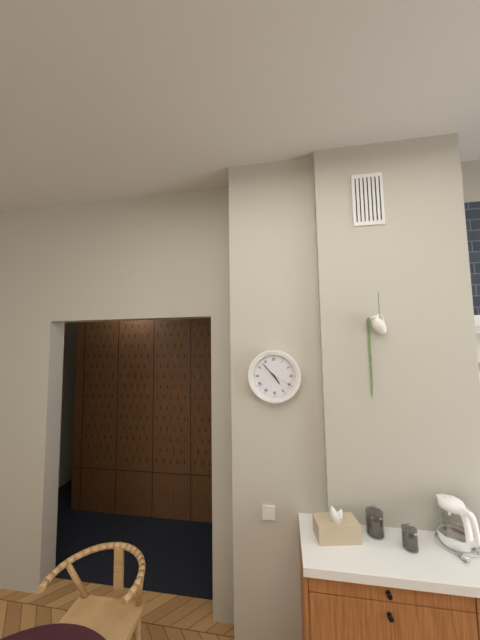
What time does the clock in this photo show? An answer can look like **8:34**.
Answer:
**4:53**
